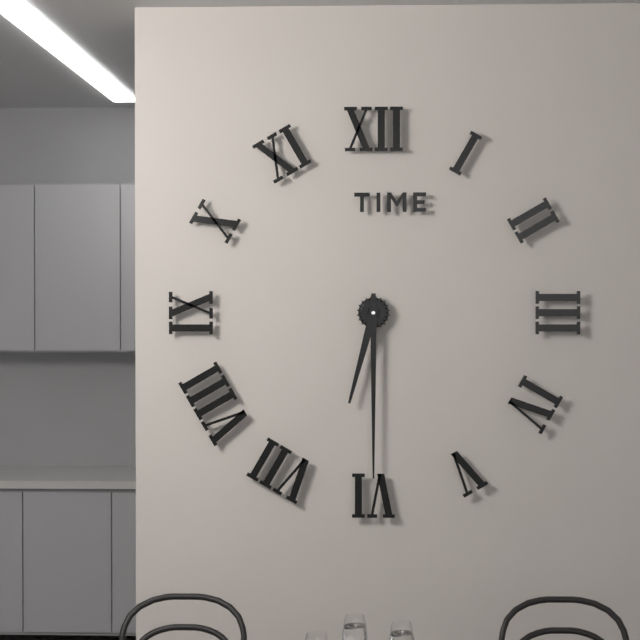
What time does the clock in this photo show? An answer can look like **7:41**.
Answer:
**6:30**
